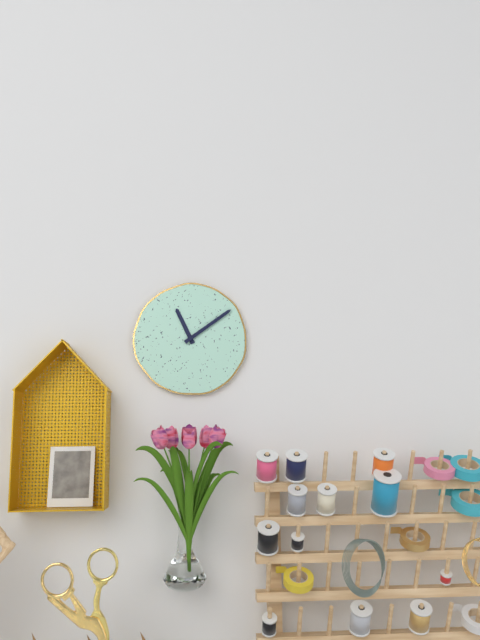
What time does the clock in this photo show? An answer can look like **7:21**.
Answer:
**11:09**
